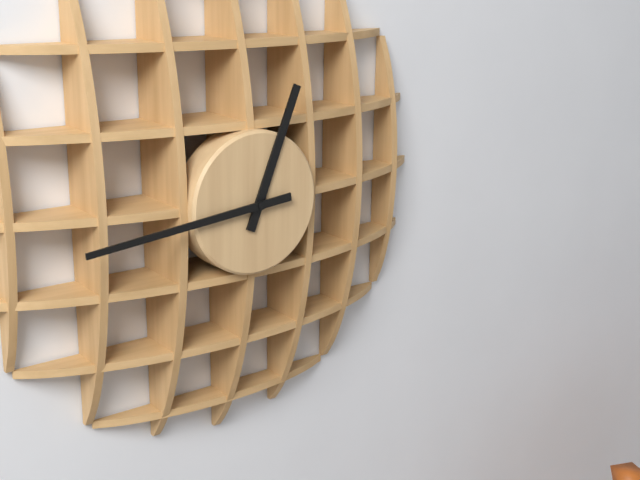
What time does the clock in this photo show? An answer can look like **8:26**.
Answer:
**12:44**
